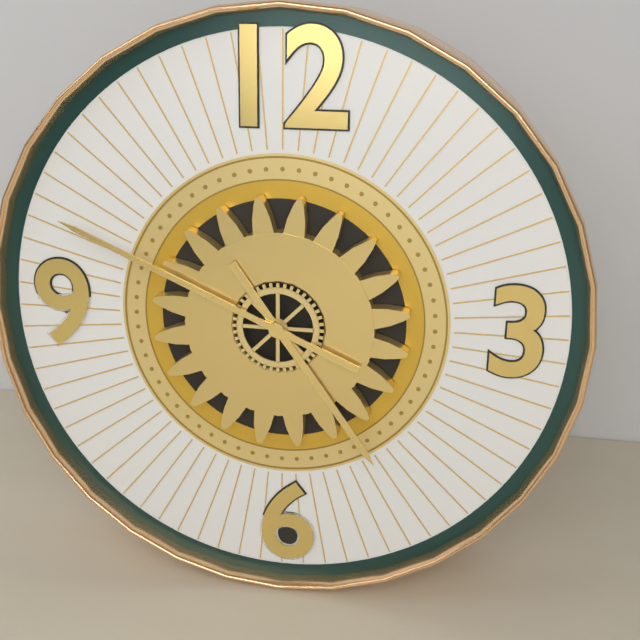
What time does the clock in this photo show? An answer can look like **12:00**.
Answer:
**4:49**
